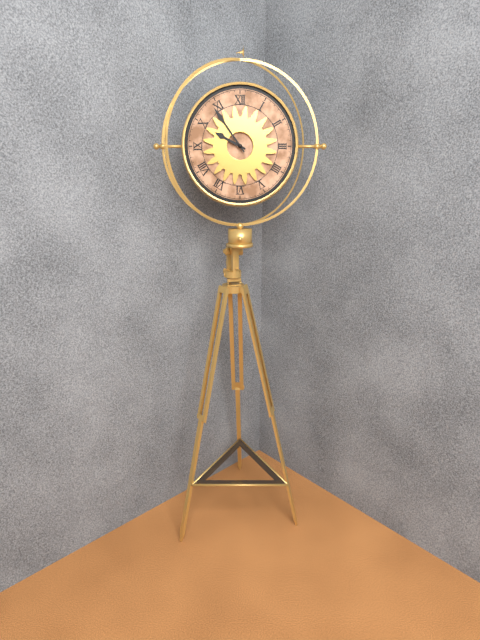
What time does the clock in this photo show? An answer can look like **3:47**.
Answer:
**9:54**
